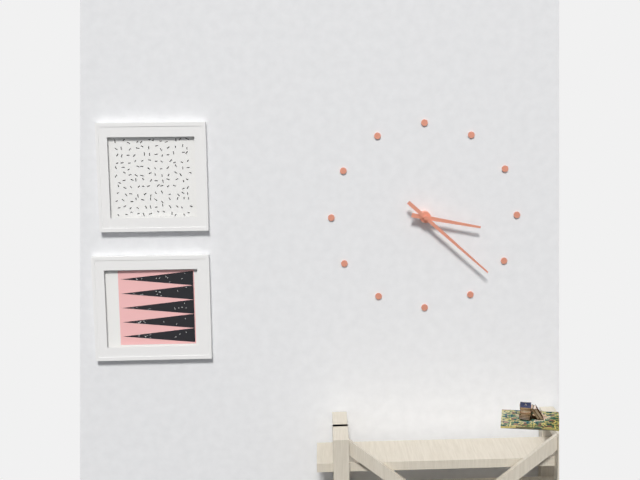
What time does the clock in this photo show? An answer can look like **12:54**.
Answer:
**3:22**
